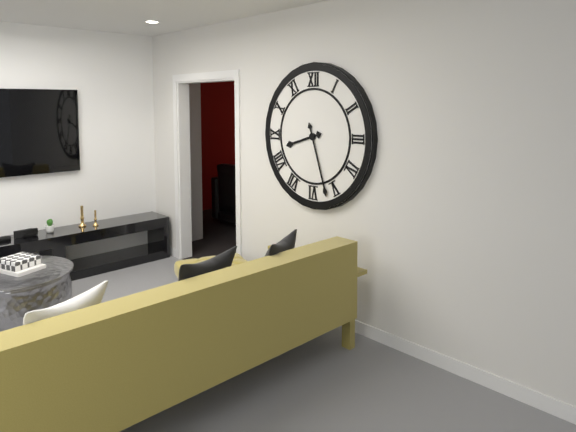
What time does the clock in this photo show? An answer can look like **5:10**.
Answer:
**8:27**
